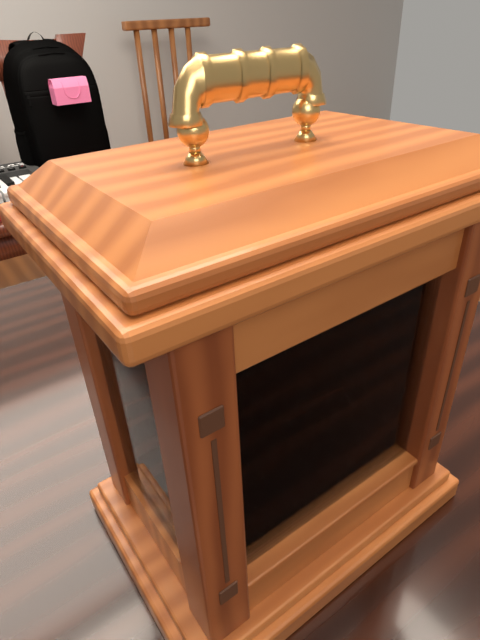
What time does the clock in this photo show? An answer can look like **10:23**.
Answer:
**12:26**
